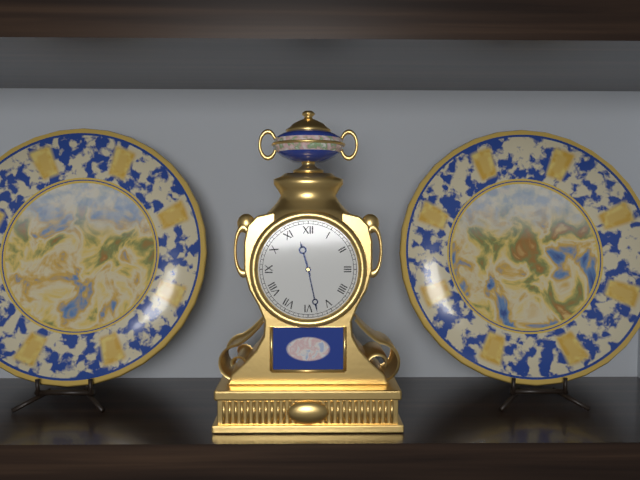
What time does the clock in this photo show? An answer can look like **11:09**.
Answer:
**11:28**
